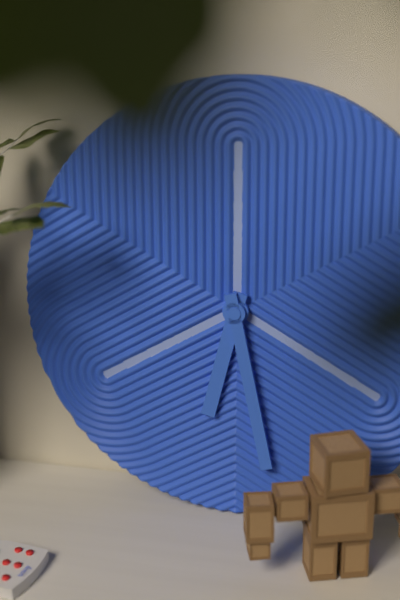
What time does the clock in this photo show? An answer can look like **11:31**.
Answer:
**6:28**
